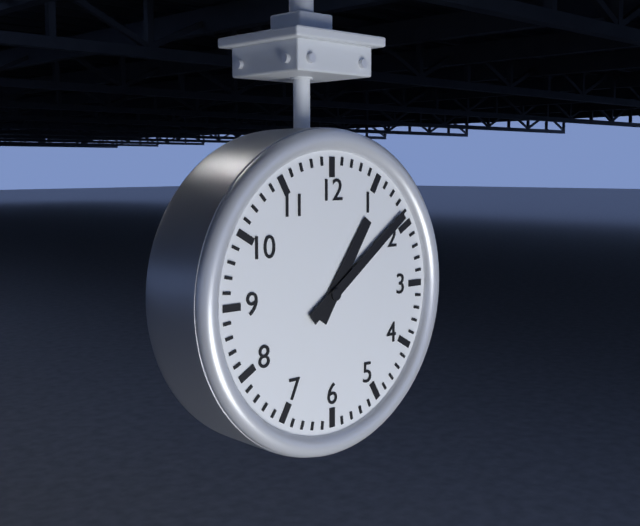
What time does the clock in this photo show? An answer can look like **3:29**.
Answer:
**1:09**
